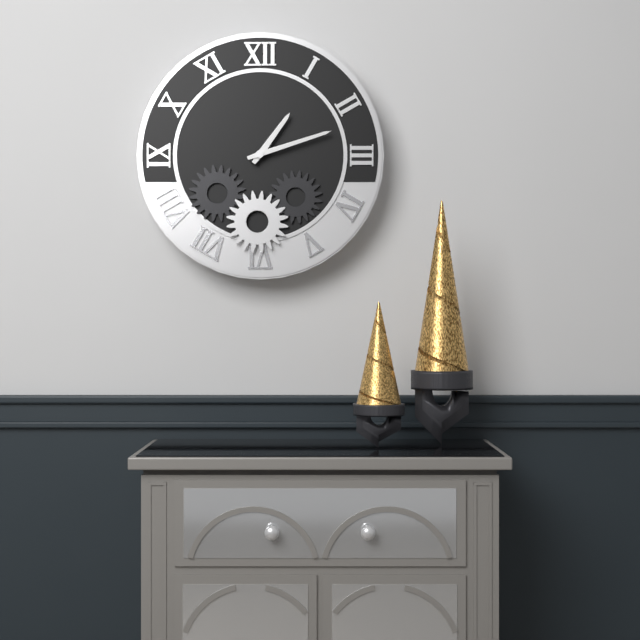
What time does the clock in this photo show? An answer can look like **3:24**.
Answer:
**1:12**
